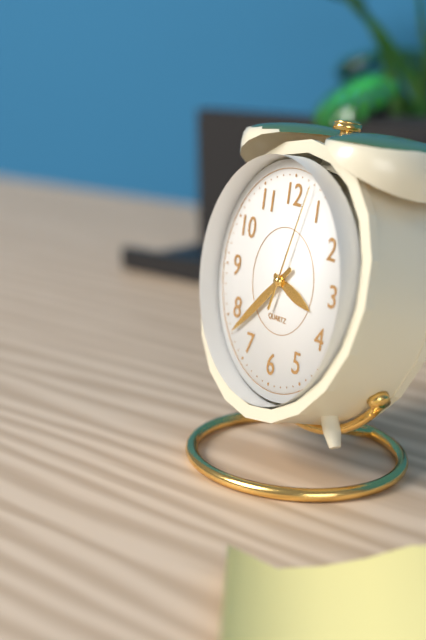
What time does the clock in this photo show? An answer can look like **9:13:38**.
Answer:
**3:38:03**
